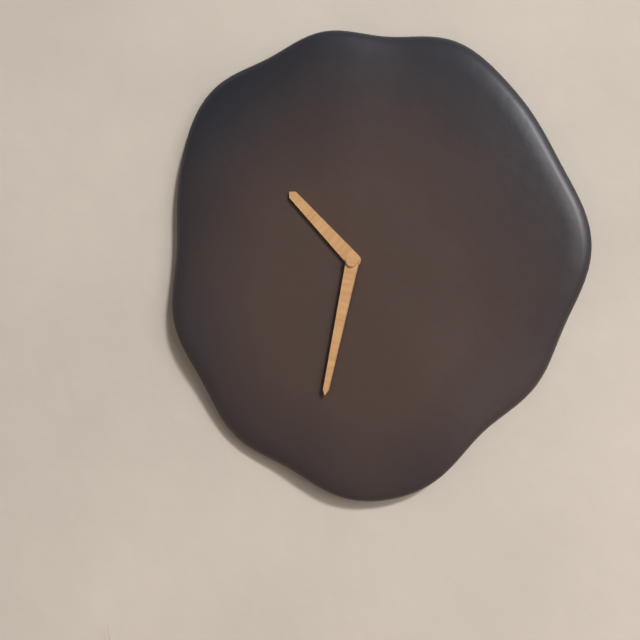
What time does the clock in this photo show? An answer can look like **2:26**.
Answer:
**10:32**
